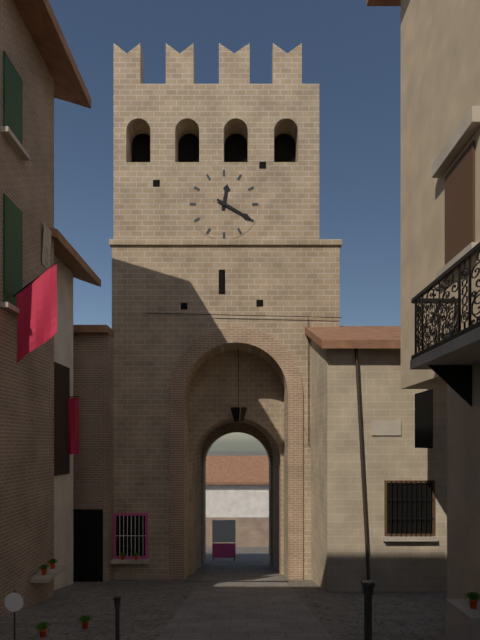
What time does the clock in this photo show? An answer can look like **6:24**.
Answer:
**12:20**
